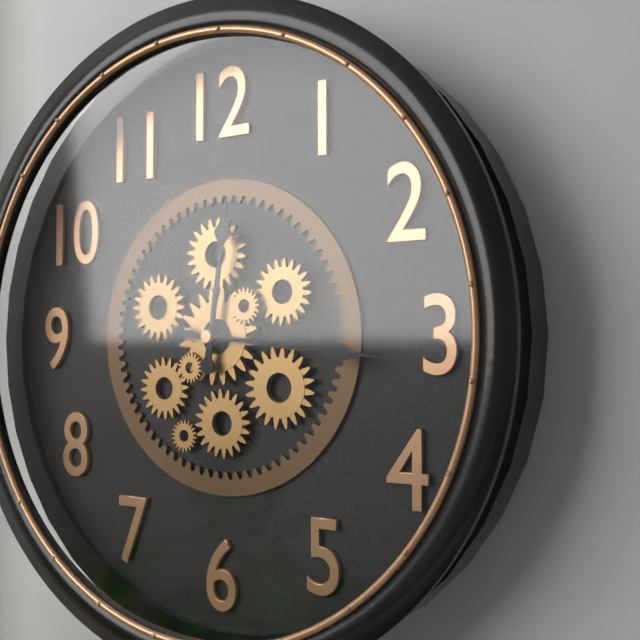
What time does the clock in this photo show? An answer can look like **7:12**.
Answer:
**12:16**
